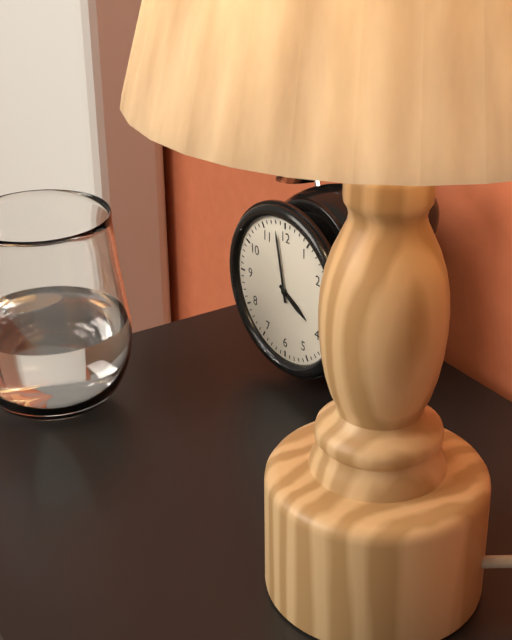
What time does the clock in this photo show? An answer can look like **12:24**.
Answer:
**3:58**
